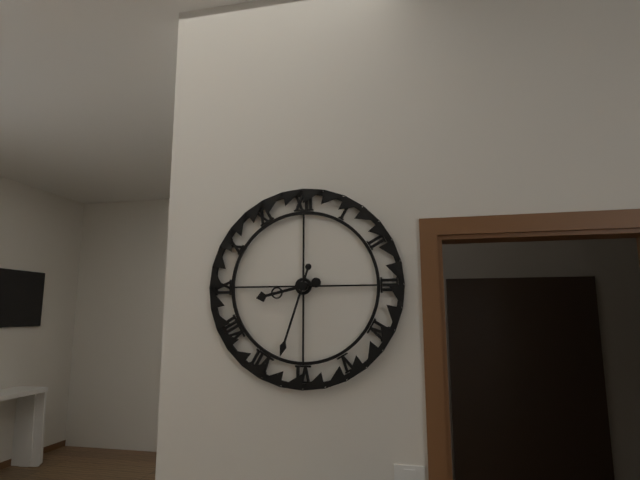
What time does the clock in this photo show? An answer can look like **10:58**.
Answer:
**8:33**
